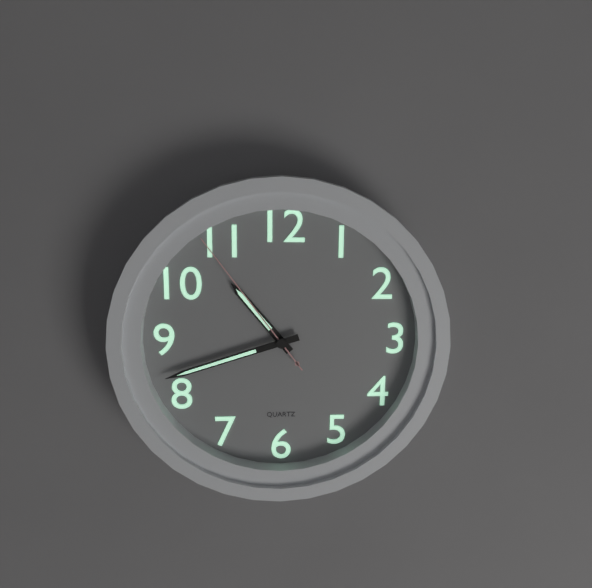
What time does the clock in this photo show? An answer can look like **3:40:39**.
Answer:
**10:42:54**
